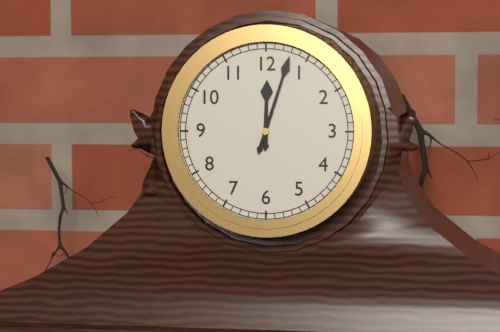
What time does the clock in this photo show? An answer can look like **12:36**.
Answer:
**12:03**
